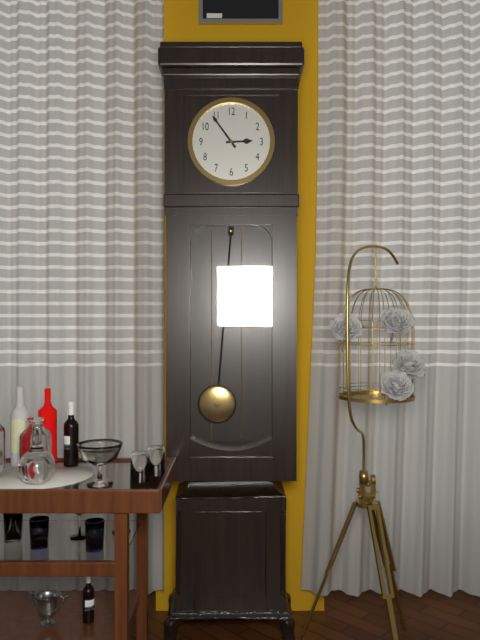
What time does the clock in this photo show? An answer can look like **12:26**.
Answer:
**2:54**
